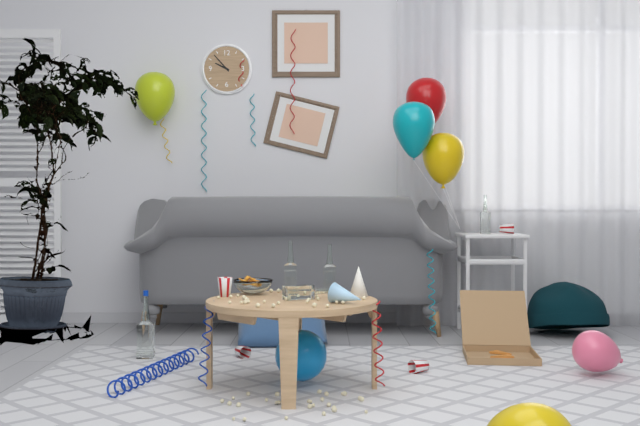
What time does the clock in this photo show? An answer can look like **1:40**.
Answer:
**9:53**
